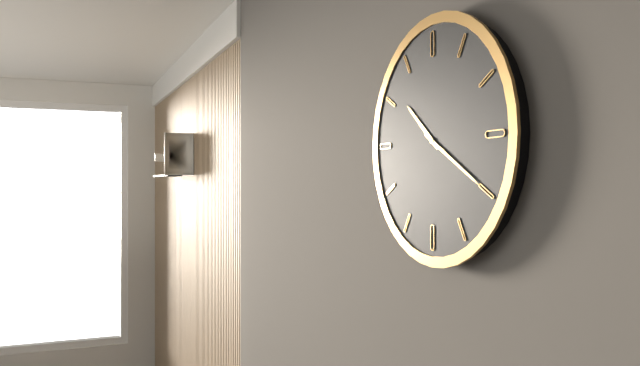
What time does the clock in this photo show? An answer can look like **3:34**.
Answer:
**10:20**
